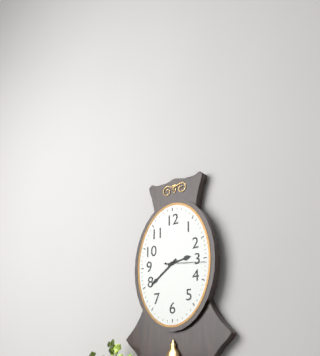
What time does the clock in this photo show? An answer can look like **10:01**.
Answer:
**2:39**
